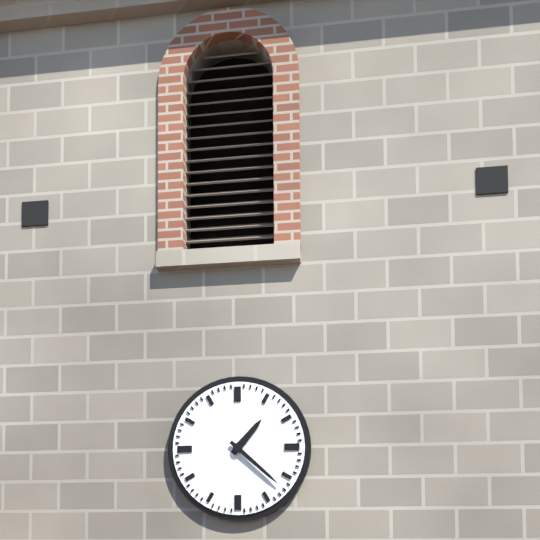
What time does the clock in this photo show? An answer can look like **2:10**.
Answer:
**1:22**
